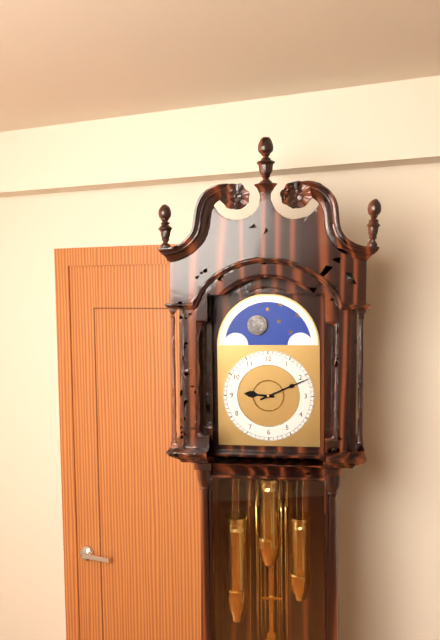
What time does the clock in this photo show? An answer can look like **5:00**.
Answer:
**9:11**
